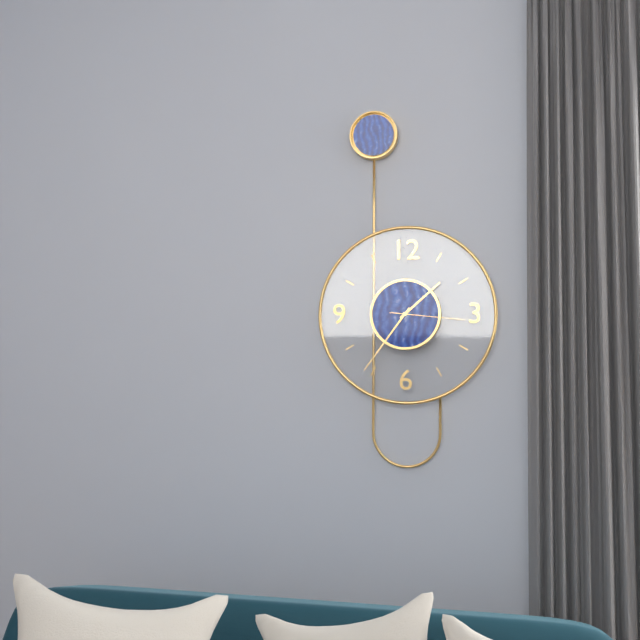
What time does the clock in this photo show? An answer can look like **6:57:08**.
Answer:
**1:36:16**
